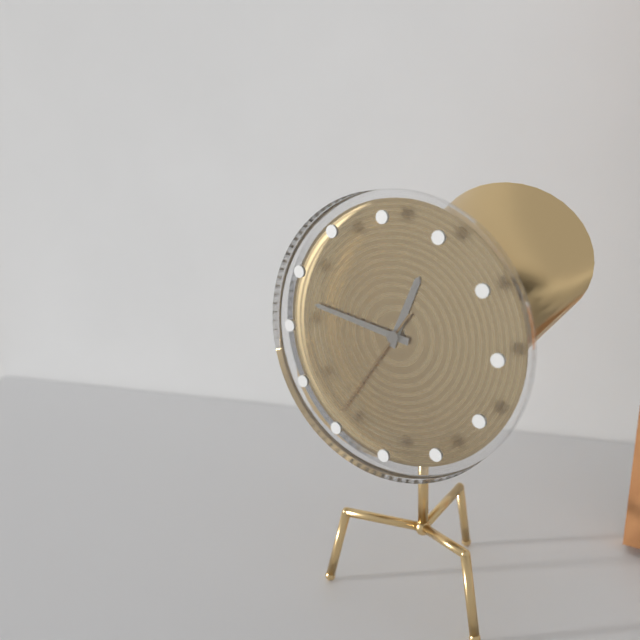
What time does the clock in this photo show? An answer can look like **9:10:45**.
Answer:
**12:47:36**
